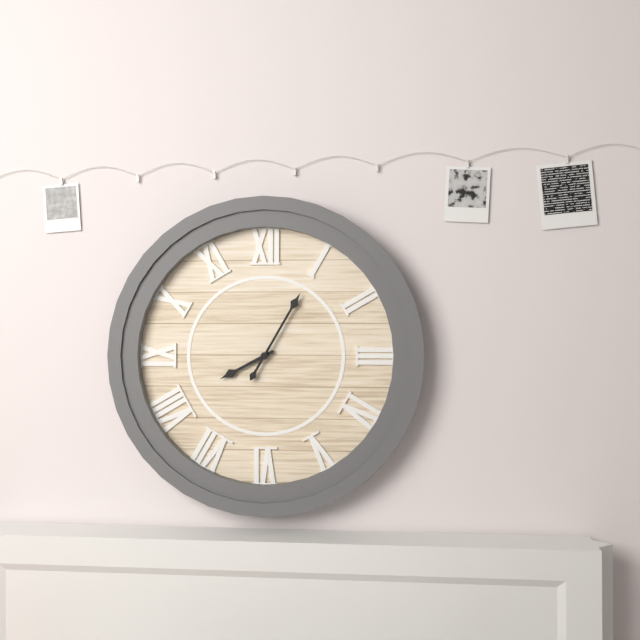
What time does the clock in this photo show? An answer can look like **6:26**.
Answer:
**8:05**
